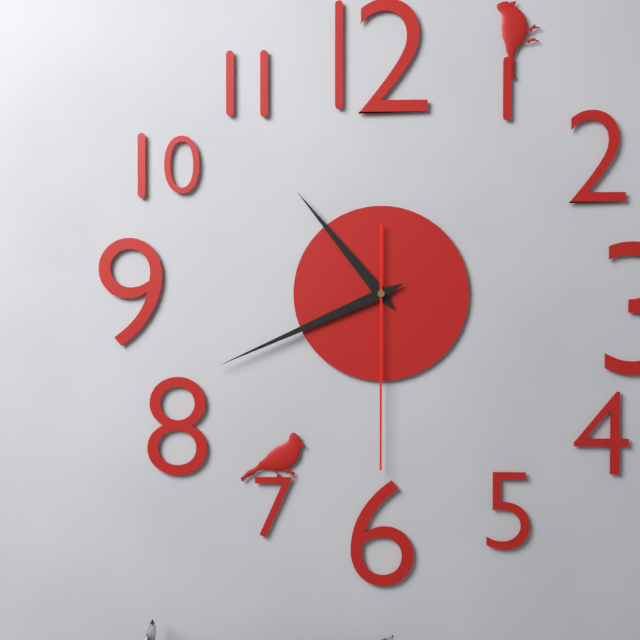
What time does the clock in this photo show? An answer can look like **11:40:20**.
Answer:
**10:41:30**
